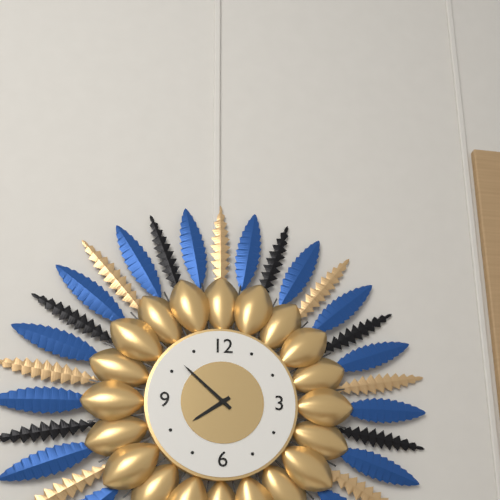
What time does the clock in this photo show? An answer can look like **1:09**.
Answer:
**7:52**
